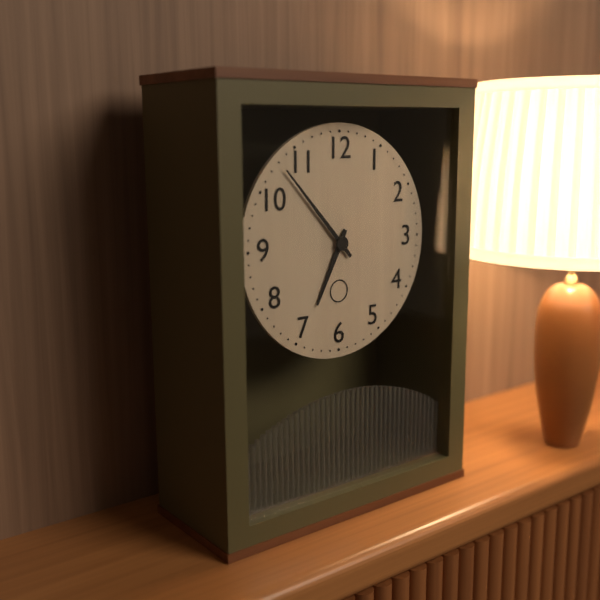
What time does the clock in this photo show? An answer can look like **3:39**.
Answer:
**6:53**
